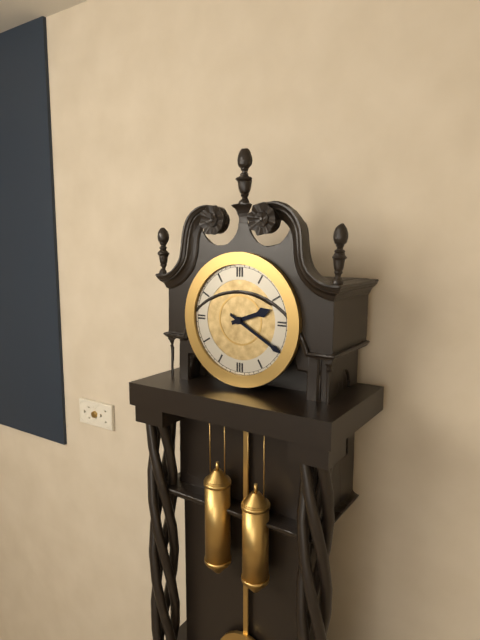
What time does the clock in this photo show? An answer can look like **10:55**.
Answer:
**2:20**
